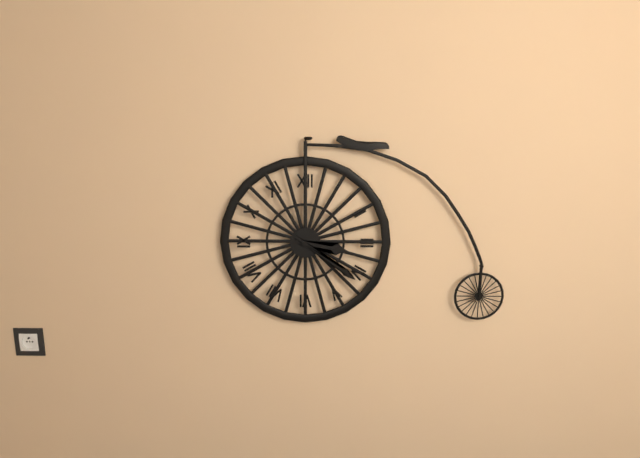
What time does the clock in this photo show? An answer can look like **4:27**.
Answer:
**3:21**
